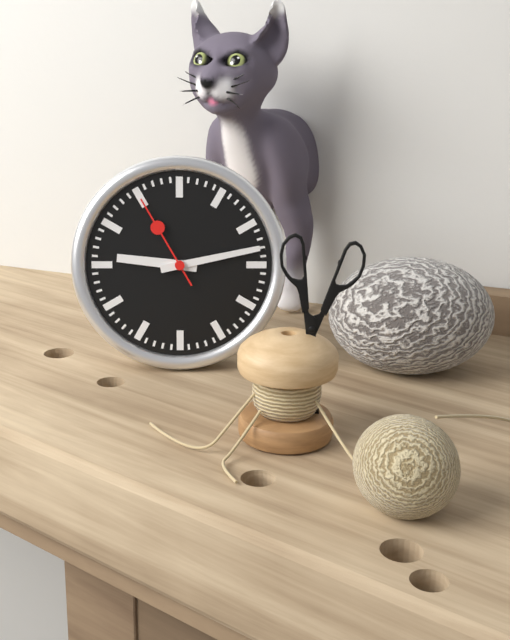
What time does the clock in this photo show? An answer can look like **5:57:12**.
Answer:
**9:13:55**
